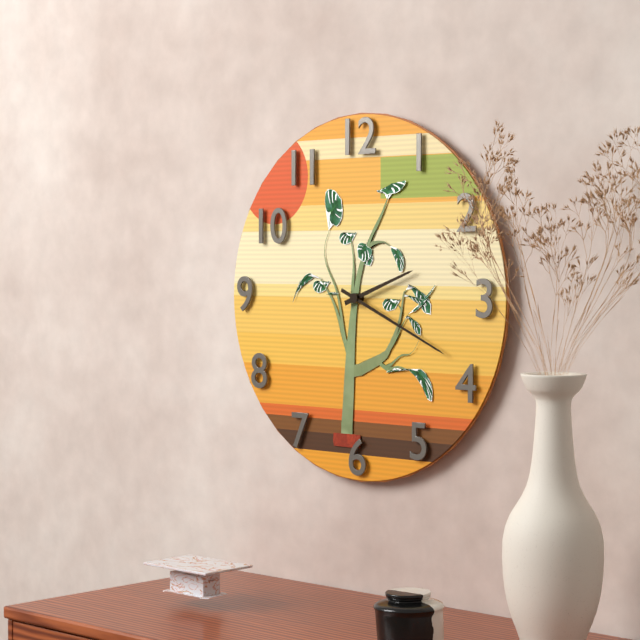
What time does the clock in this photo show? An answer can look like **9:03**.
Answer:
**2:19**
